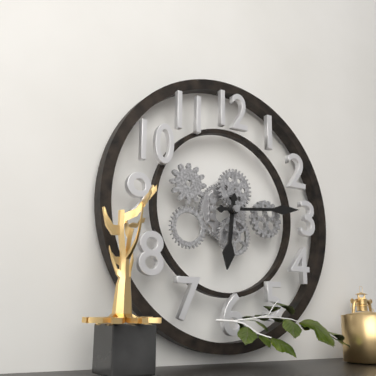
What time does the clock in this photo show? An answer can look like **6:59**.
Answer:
**6:14**
